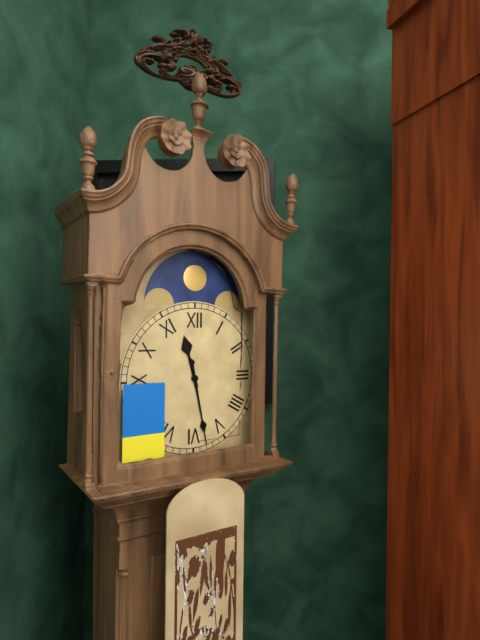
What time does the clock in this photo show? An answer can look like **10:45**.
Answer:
**11:28**
